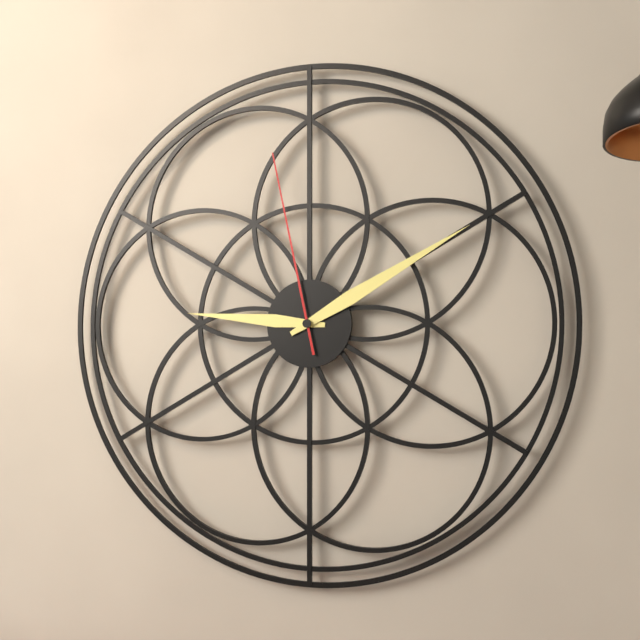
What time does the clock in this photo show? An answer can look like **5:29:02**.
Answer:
**9:10:58**
